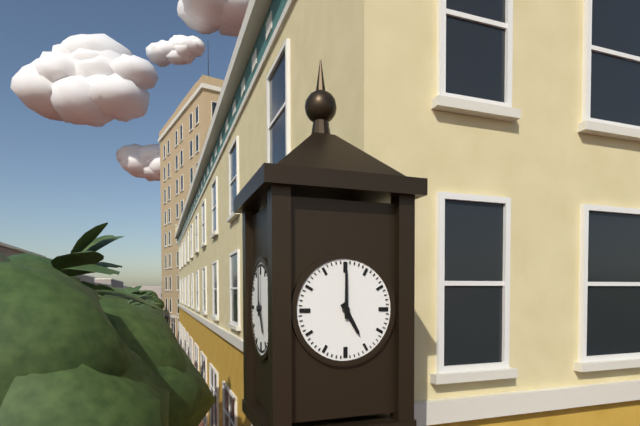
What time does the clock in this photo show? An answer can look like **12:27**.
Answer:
**5:00**
